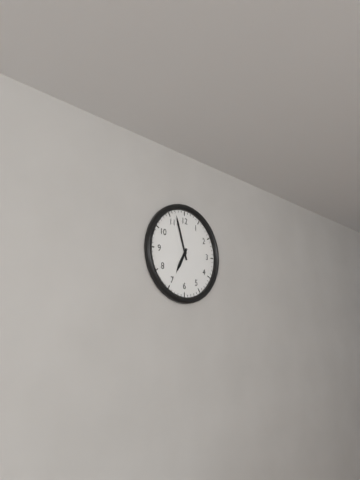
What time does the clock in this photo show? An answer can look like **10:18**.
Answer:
**6:57**
